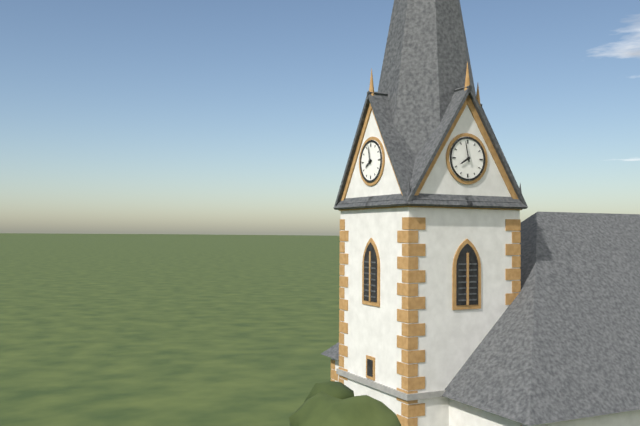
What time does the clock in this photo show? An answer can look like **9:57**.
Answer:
**7:58**
